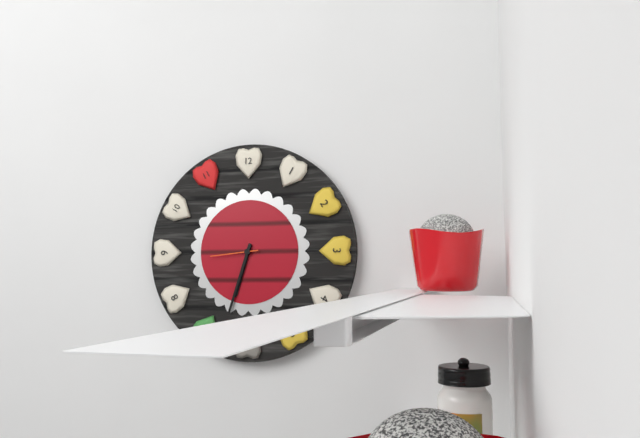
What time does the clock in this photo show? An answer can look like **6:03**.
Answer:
**6:33**
